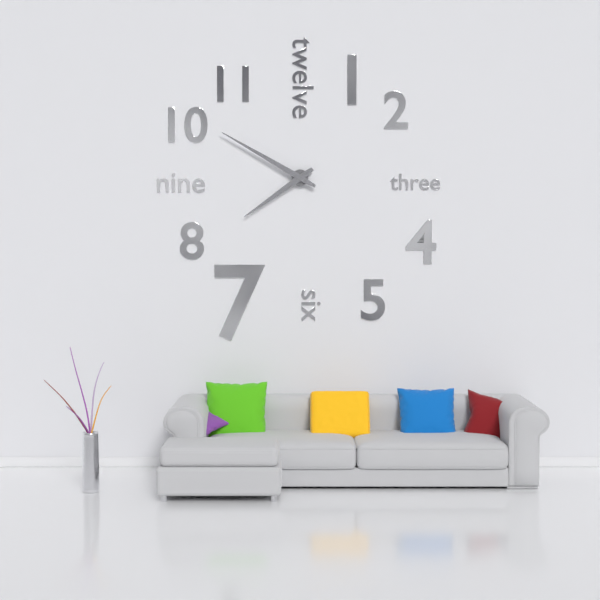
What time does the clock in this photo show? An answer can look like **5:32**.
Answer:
**7:50**
